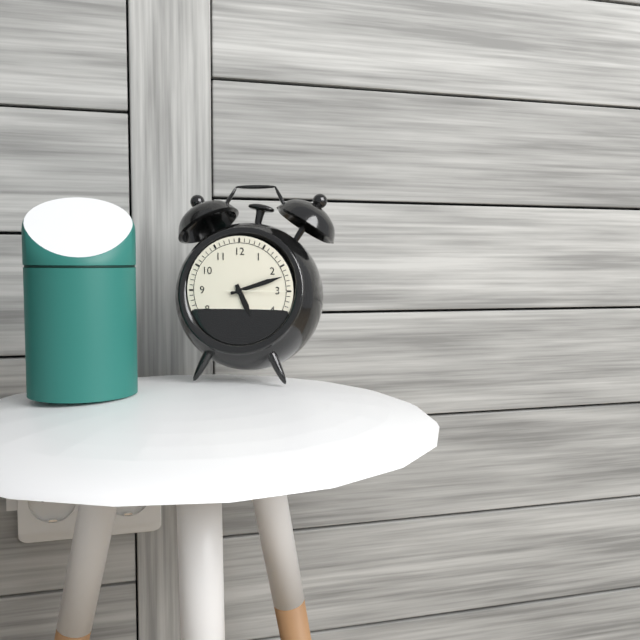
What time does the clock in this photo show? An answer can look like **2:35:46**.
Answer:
**5:12:15**
